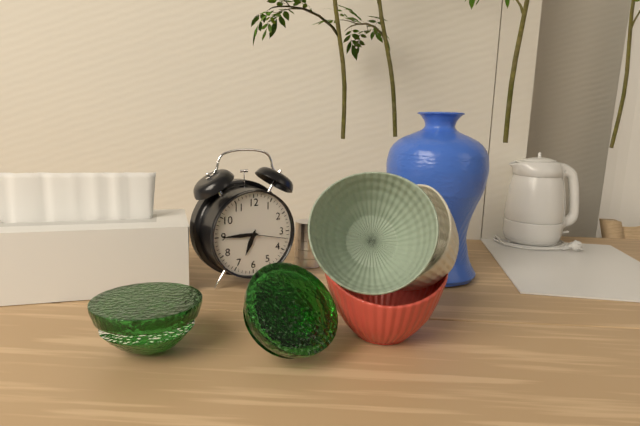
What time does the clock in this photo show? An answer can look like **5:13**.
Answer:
**6:45**
